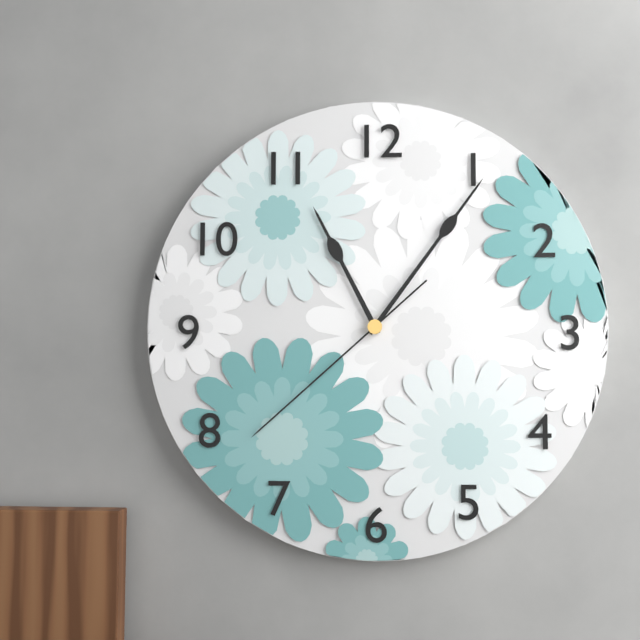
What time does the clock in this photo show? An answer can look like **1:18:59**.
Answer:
**11:06:38**
